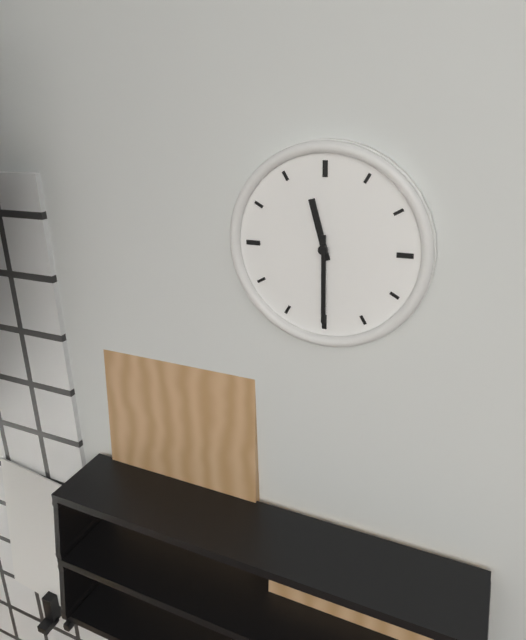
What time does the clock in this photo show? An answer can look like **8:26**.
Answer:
**11:30**
